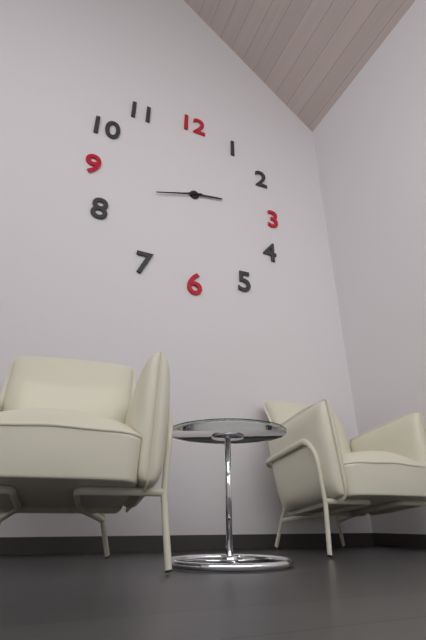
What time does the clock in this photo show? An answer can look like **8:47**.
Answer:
**2:42**
